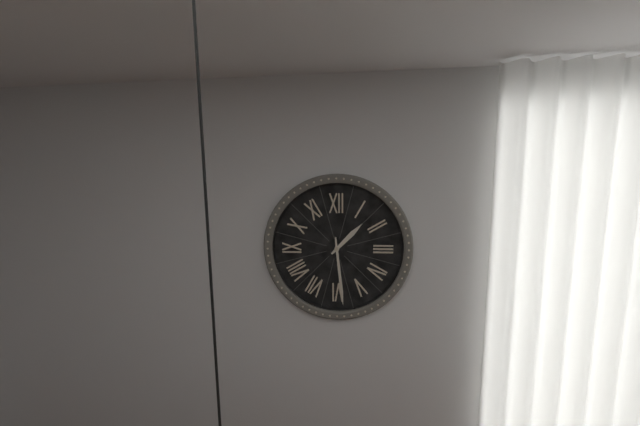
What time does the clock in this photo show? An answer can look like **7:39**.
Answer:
**1:29**
